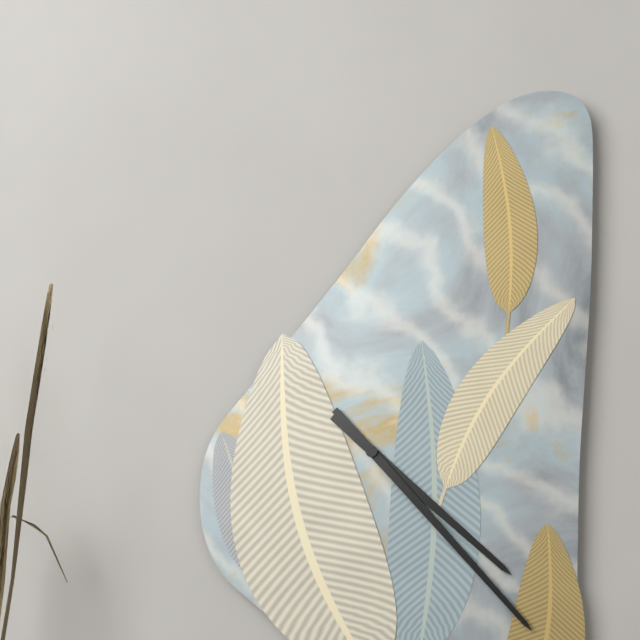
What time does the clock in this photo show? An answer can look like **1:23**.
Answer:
**4:23**
